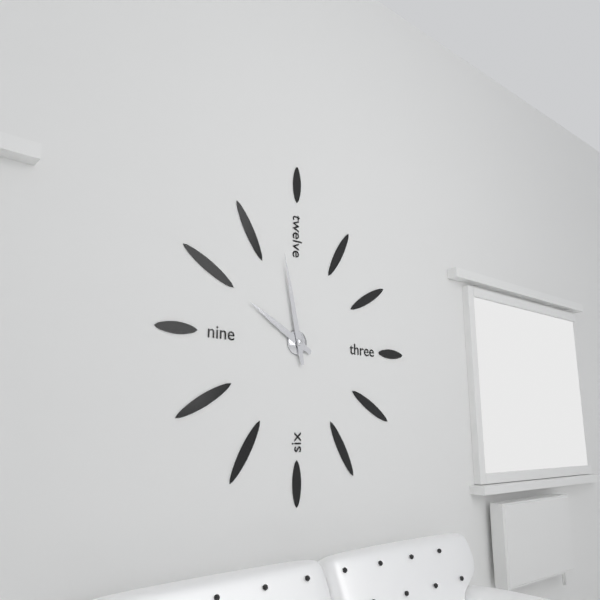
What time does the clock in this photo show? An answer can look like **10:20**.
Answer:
**9:58**
